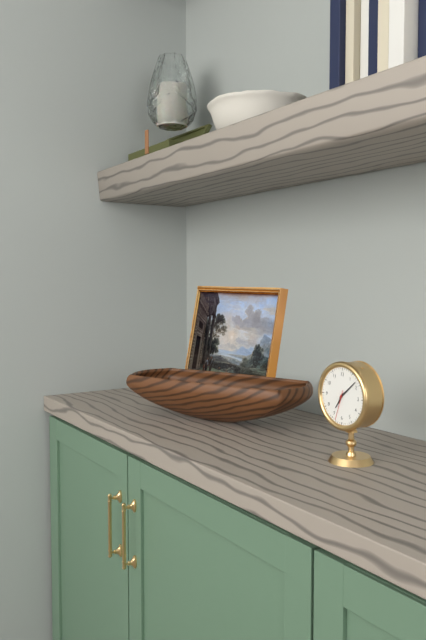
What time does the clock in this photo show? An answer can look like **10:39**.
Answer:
**7:08**
